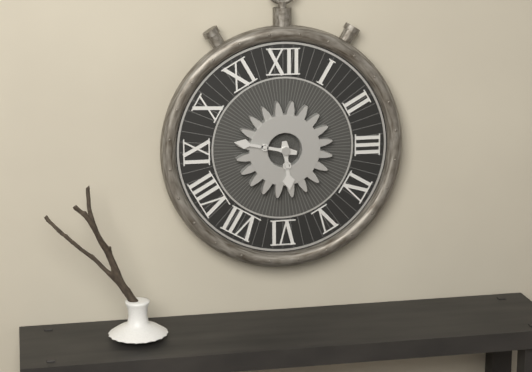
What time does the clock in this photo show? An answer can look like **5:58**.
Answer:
**5:47**
